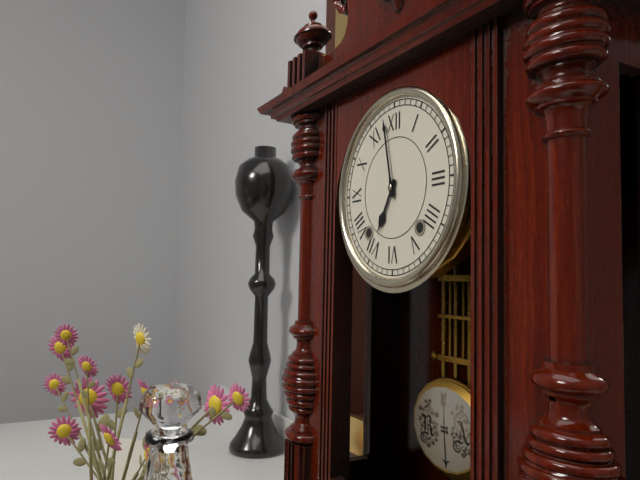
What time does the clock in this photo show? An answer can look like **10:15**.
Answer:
**6:58**
